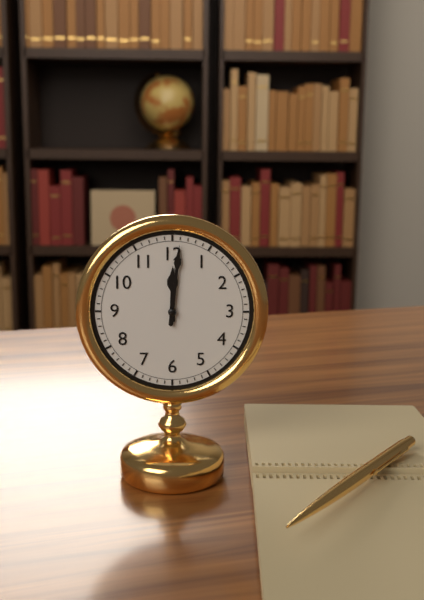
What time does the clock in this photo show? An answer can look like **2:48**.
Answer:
**12:01**
